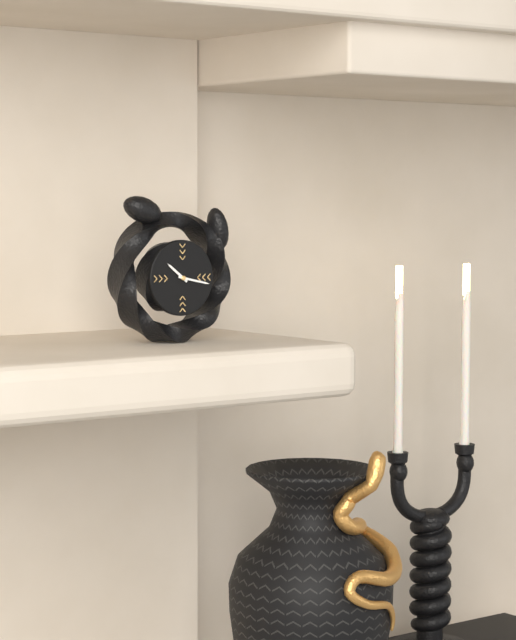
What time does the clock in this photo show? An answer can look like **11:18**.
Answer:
**10:17**
